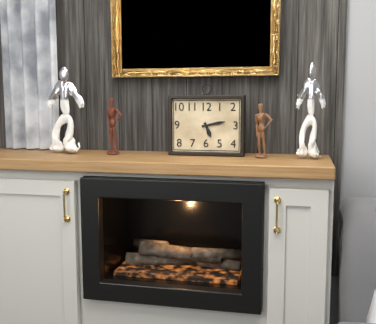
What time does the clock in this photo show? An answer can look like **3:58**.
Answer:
**5:13**
